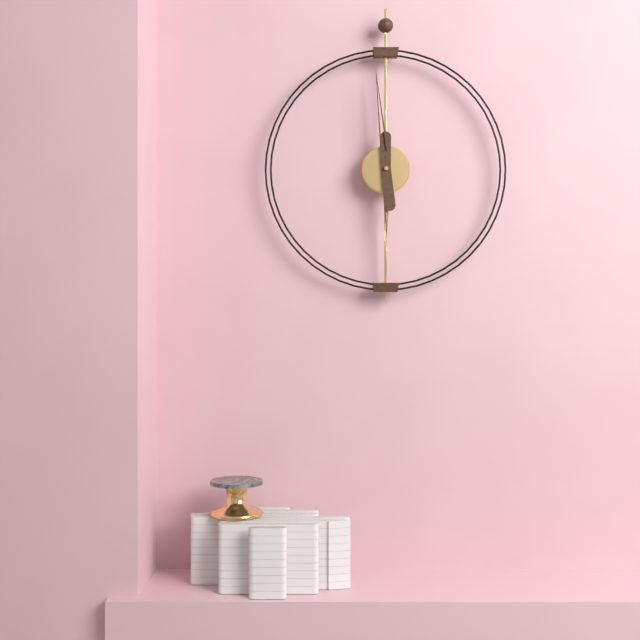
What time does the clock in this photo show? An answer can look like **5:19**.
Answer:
**5:59**
